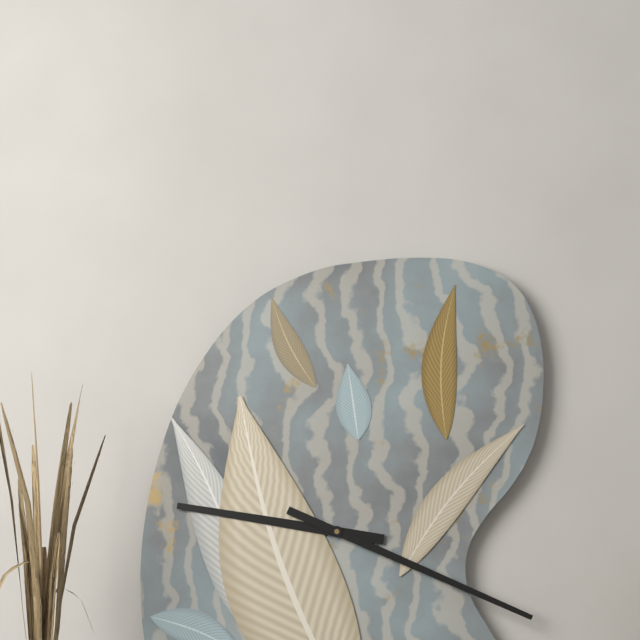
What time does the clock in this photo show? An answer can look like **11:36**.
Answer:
**9:19**
